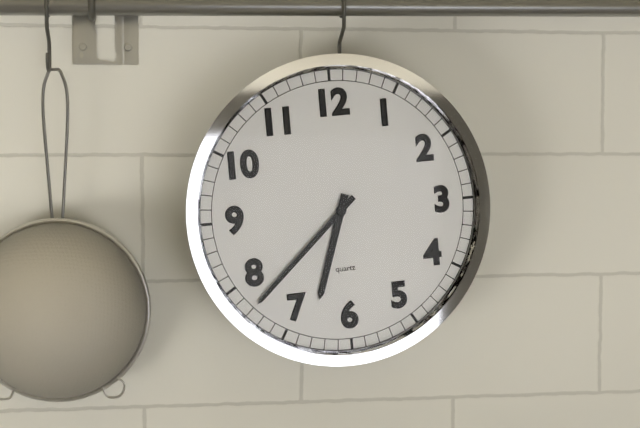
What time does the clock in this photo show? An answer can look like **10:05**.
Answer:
**6:38**
